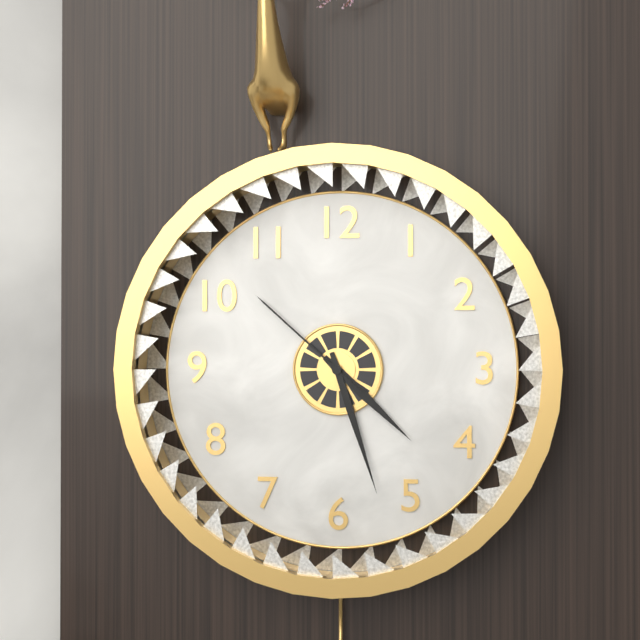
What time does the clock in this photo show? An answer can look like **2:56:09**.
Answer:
**4:27:52**
